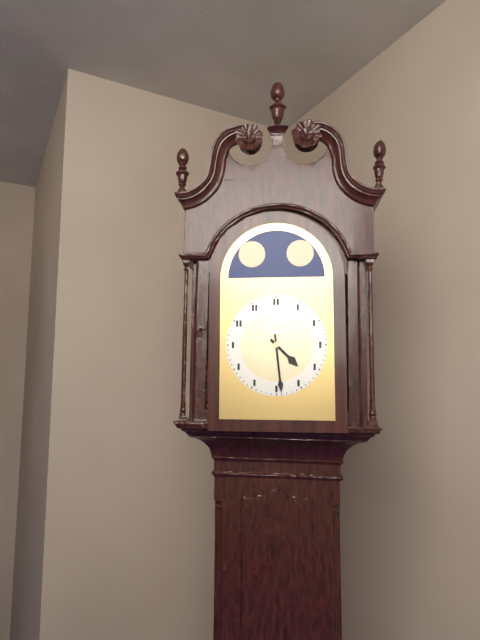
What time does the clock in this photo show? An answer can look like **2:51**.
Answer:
**4:29**
